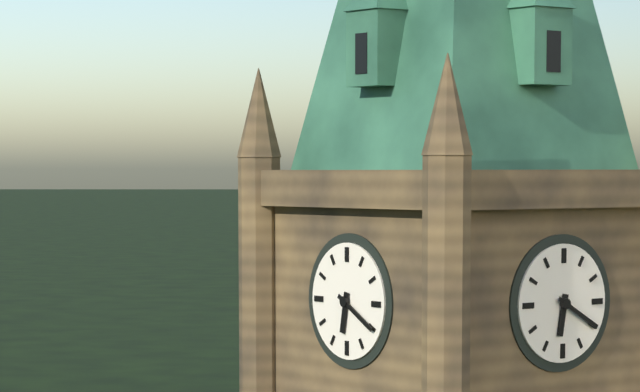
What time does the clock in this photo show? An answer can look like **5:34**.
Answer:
**6:20**
